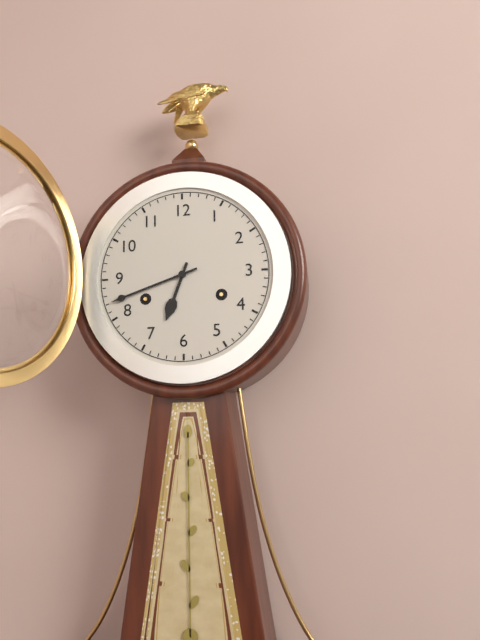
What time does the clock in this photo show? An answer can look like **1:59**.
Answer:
**6:42**
